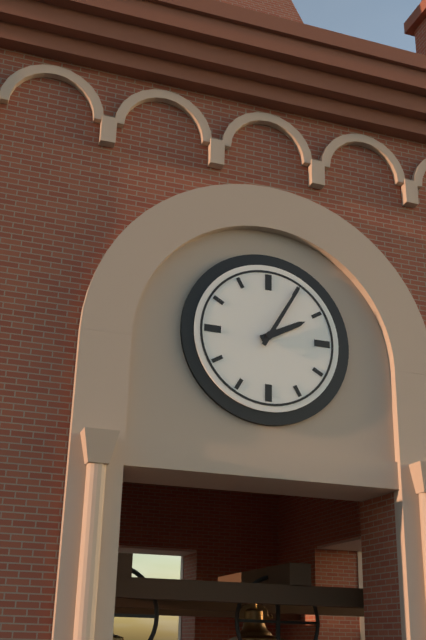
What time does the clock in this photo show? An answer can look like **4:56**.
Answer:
**2:05**
